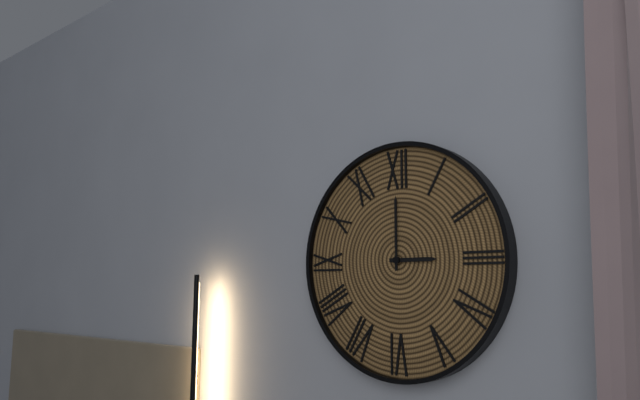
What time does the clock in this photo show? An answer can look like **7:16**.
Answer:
**3:00**
